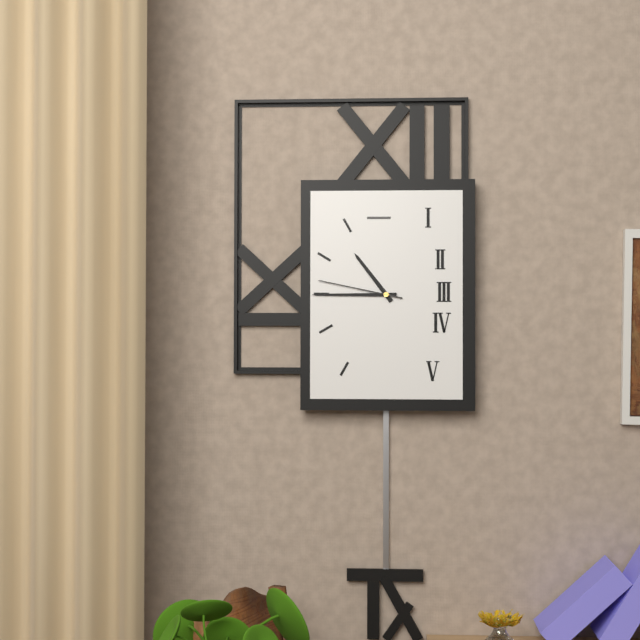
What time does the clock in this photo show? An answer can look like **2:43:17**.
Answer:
**10:45:47**
